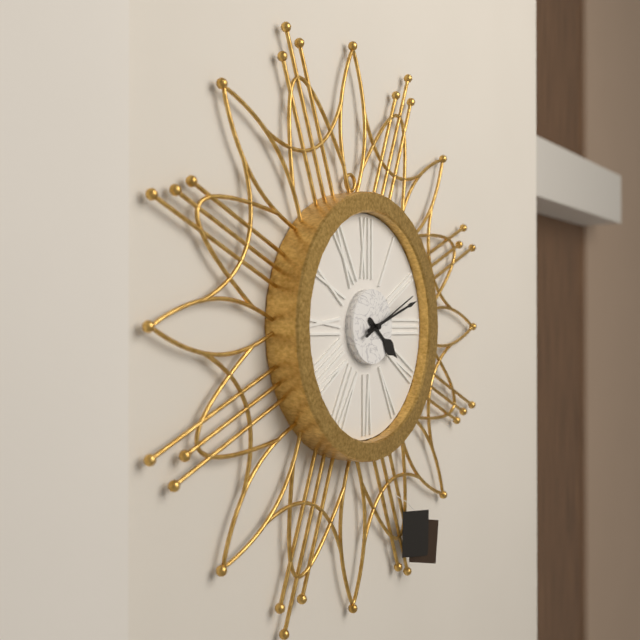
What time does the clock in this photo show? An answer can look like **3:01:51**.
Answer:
**4:12:11**
